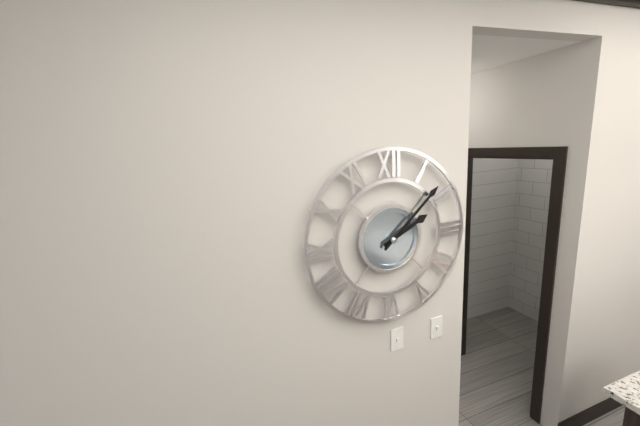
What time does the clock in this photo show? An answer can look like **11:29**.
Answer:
**2:08**
